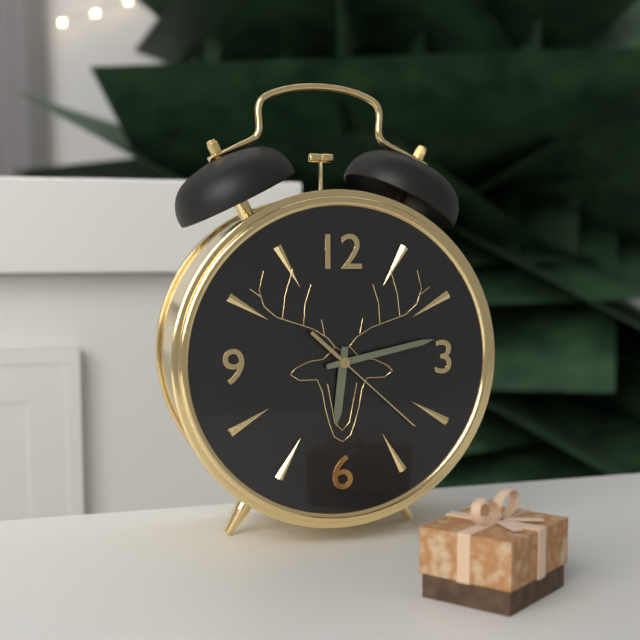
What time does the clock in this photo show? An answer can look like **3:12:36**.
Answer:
**6:13:22**
